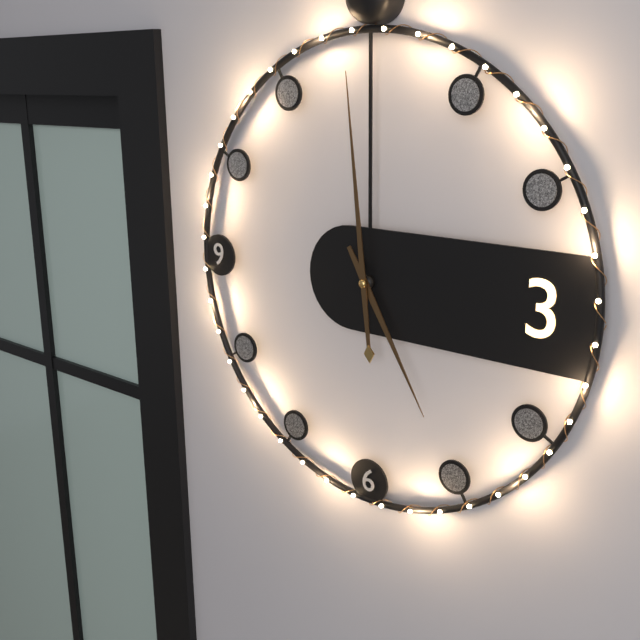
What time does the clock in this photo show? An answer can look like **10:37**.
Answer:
**4:59**
